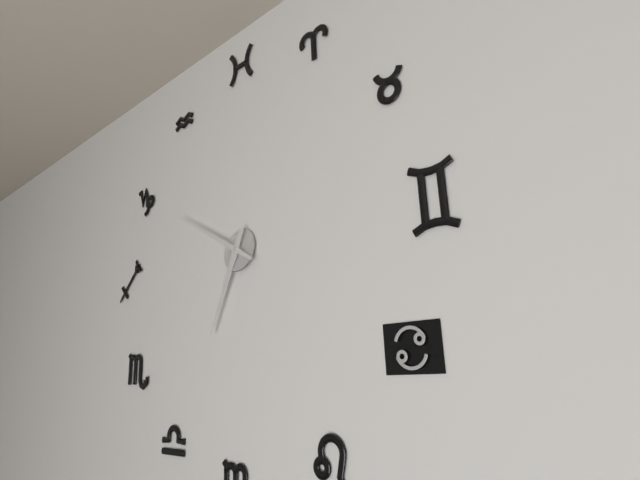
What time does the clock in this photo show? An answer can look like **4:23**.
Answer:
**6:50**
